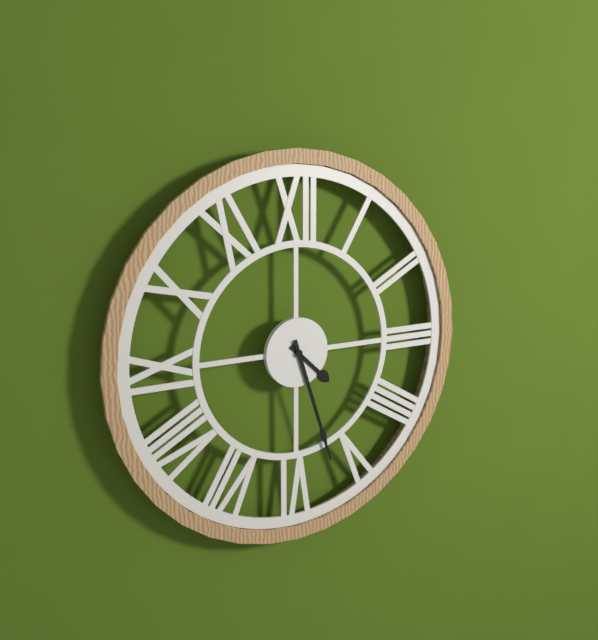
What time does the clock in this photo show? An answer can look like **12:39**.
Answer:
**4:27**
